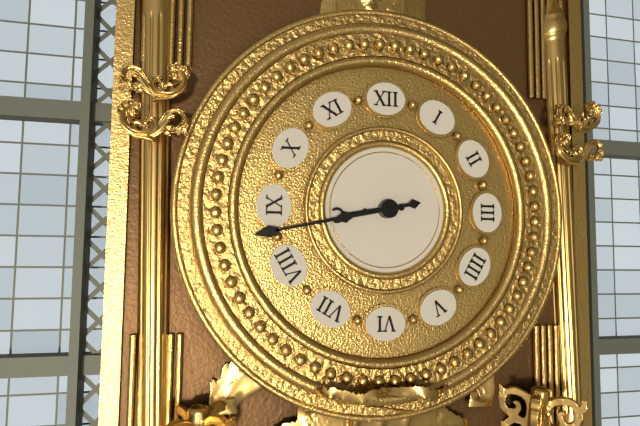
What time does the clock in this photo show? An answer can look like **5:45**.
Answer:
**8:43**
